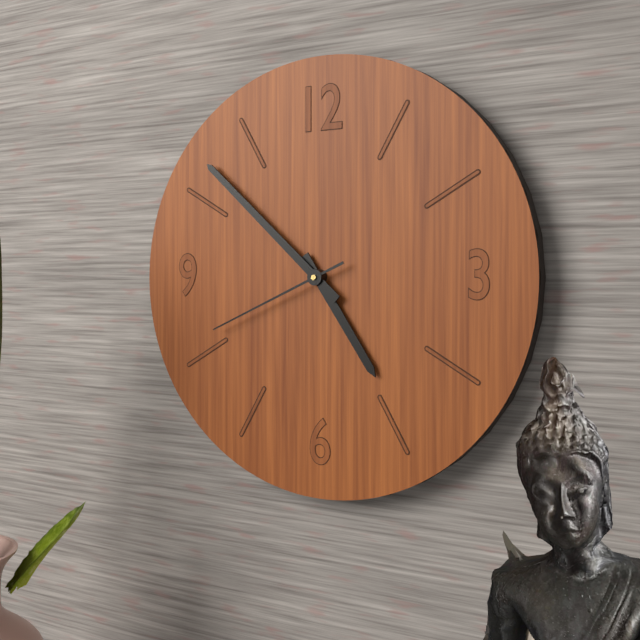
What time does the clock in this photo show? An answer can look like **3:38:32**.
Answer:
**4:52:41**
